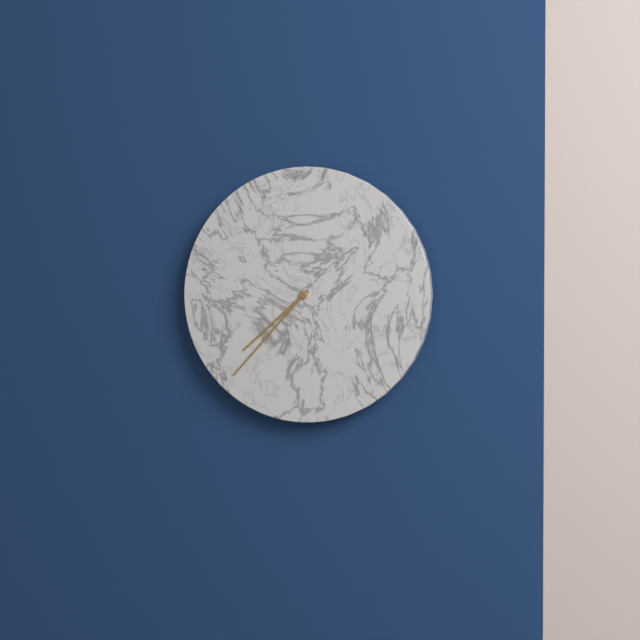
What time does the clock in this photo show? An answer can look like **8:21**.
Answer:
**7:37**
